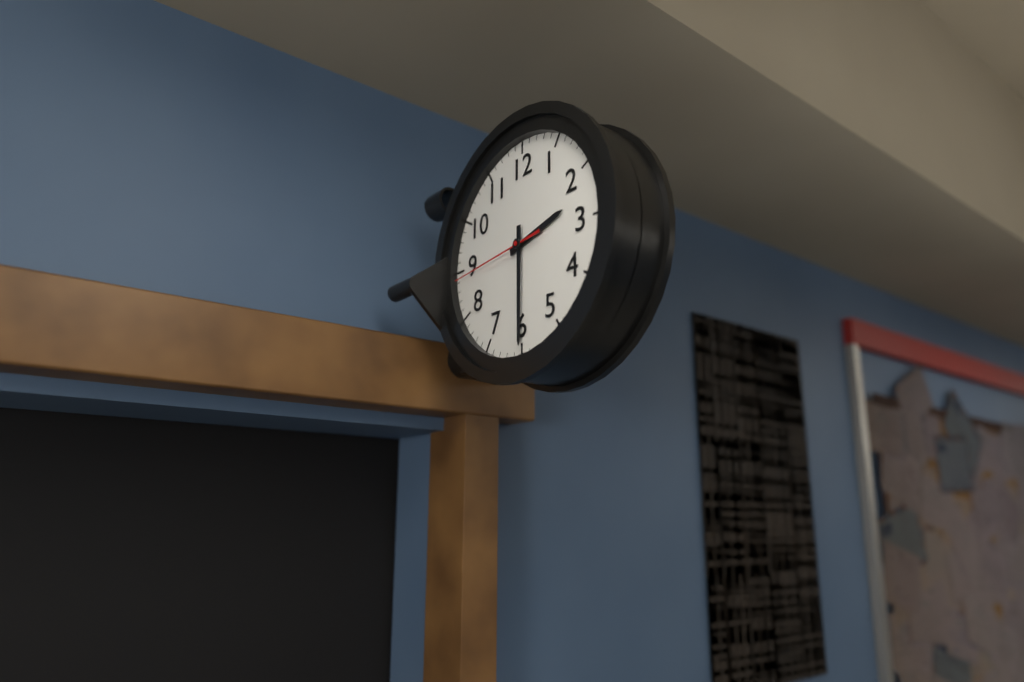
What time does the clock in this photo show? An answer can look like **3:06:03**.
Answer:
**2:30:44**
